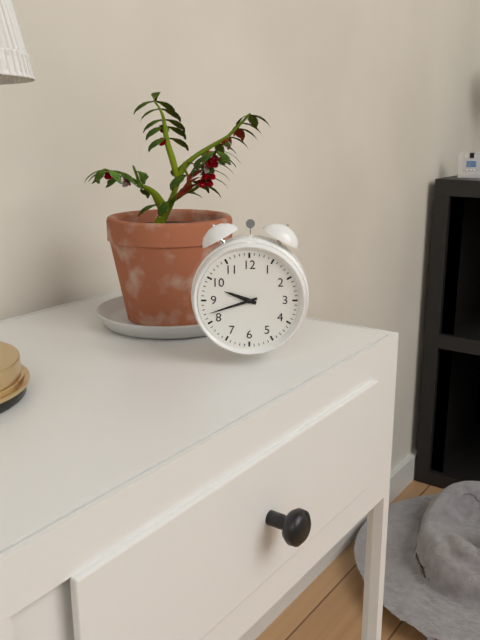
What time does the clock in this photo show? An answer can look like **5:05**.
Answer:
**9:42**
